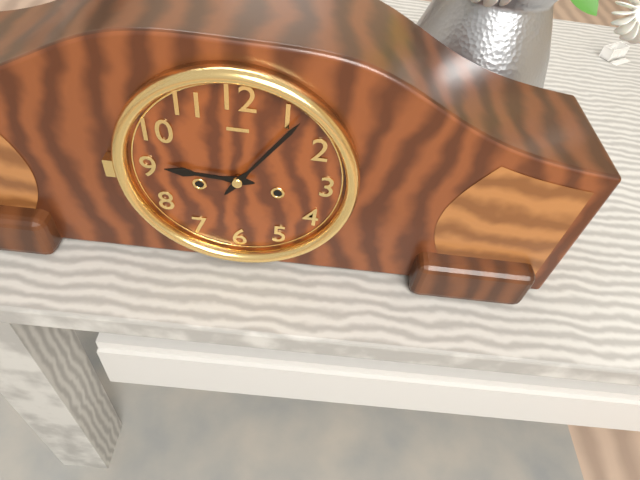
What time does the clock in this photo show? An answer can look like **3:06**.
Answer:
**9:06**
